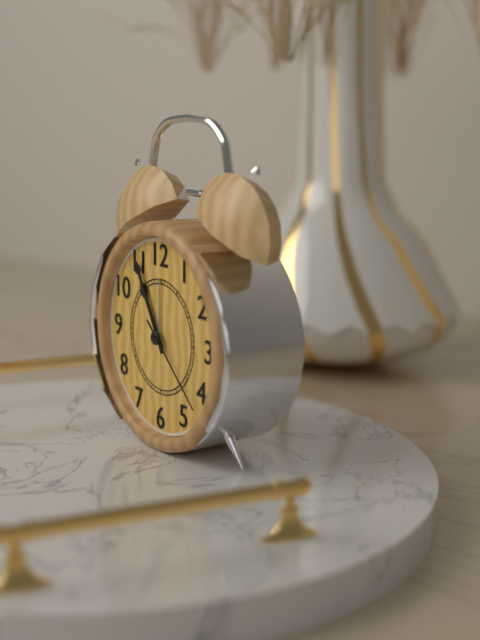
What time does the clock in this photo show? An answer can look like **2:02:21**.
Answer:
**10:55:22**
